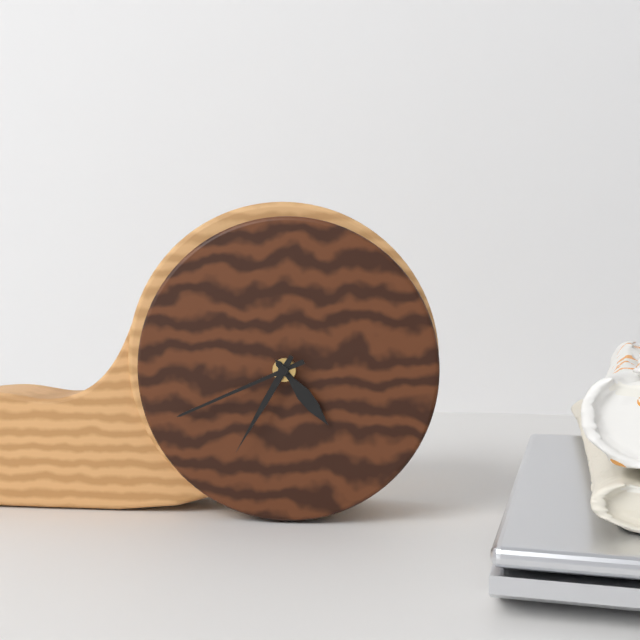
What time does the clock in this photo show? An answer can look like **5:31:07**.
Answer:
**4:41:35**
